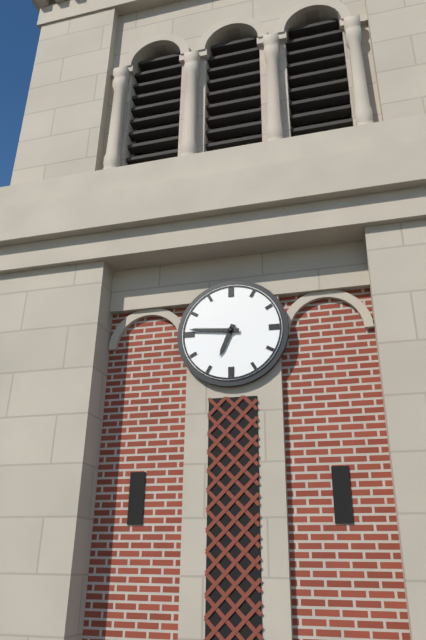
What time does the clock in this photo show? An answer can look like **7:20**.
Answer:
**6:46**
